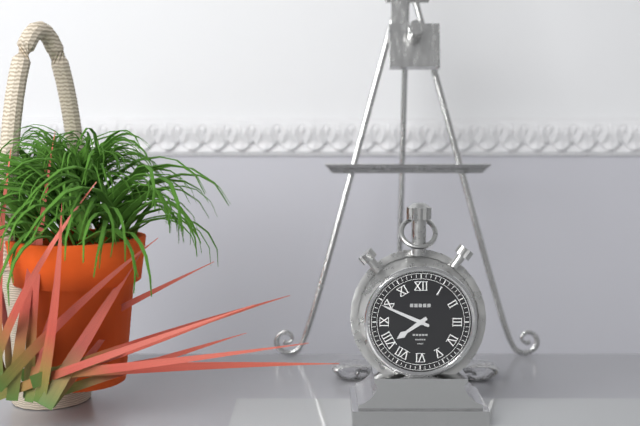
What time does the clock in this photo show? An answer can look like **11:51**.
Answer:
**7:49**
